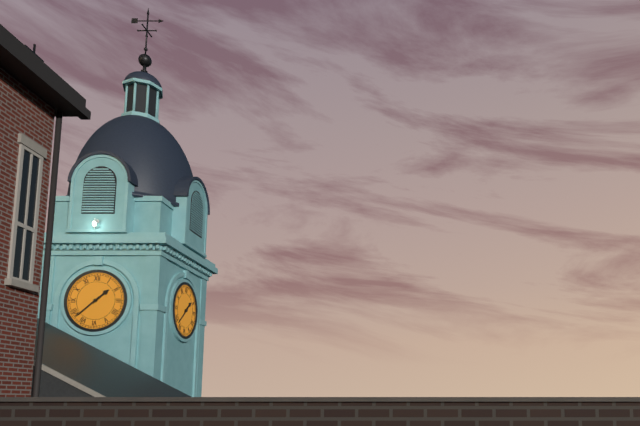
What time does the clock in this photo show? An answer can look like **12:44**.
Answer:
**1:38**
